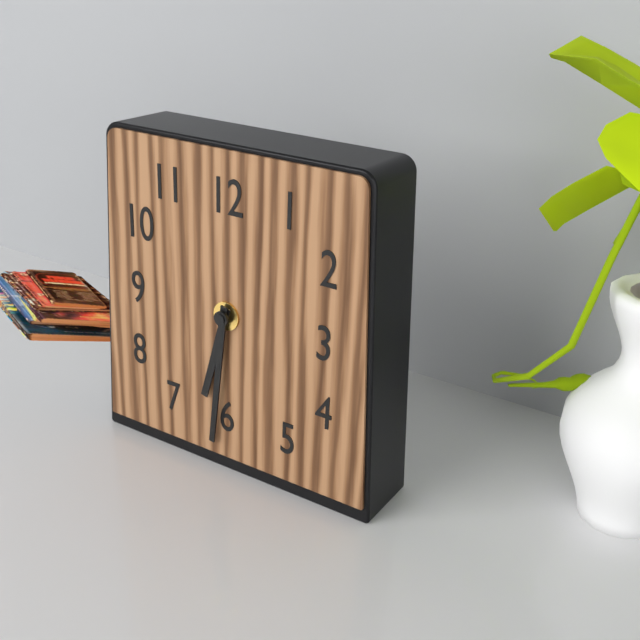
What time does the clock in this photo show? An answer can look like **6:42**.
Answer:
**6:31**
